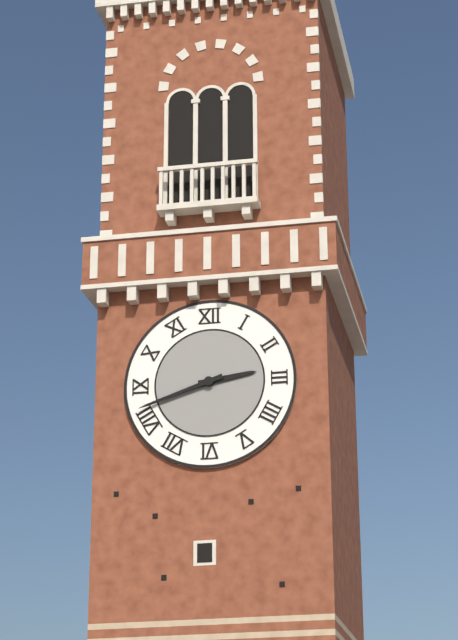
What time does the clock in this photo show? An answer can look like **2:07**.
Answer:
**2:42**
